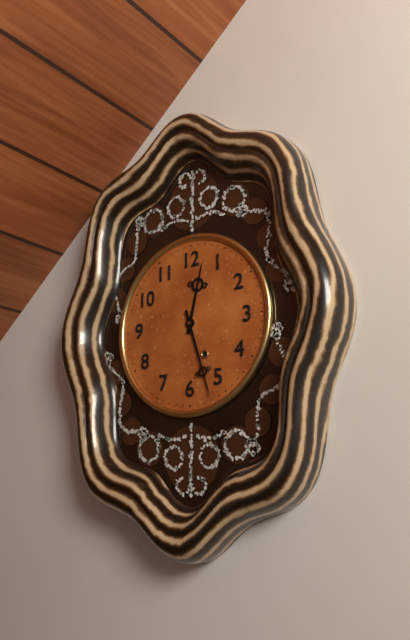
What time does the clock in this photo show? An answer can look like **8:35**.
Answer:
**12:27**
